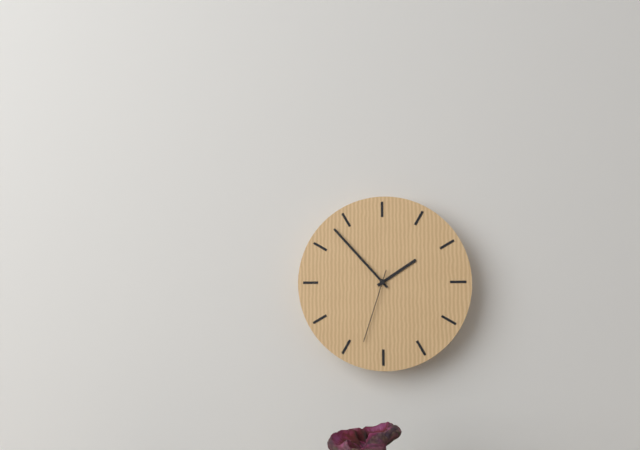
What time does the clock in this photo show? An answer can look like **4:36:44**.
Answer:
**1:53:33**
